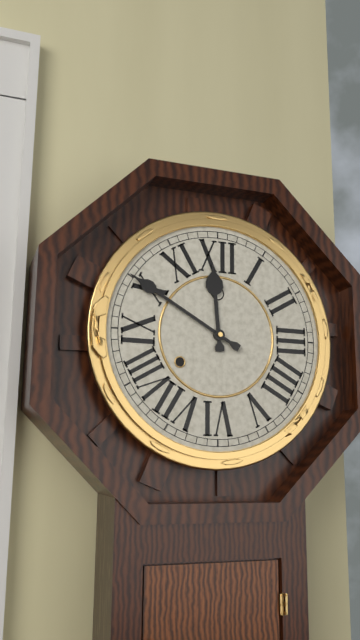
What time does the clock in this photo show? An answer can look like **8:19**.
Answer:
**11:50**
